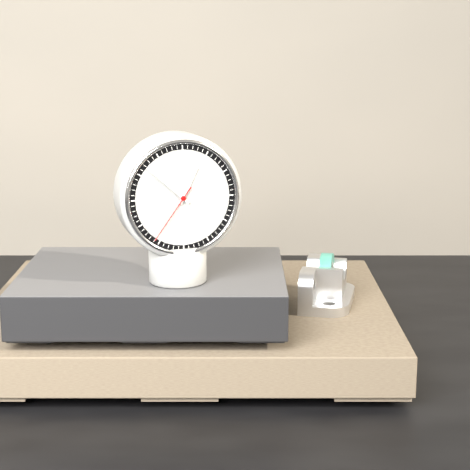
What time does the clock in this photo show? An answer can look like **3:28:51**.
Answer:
**12:52:36**
